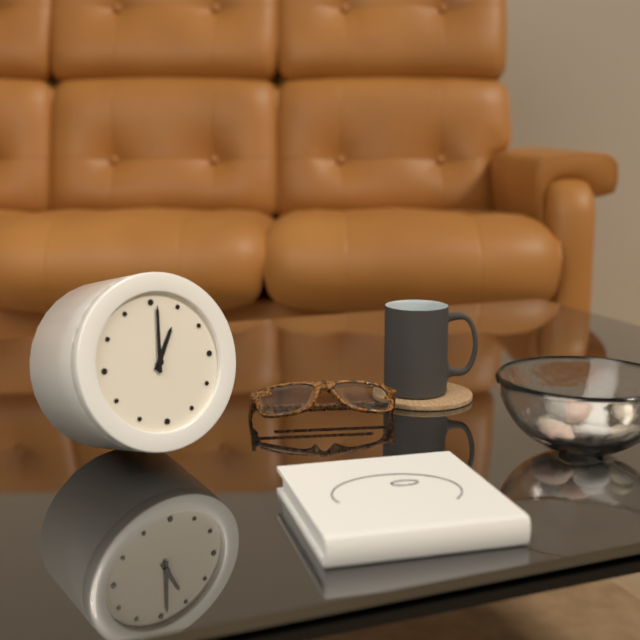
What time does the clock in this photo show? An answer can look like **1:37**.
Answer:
**1:01**
